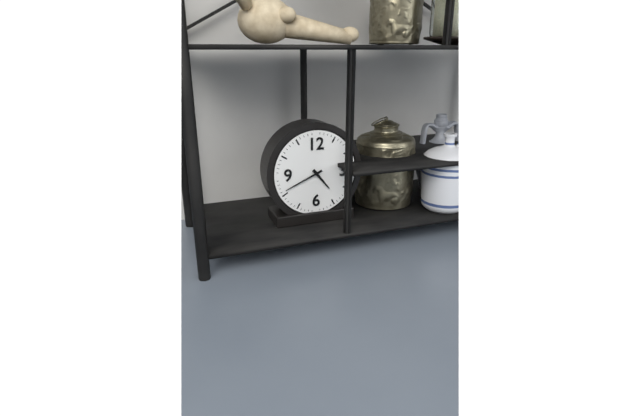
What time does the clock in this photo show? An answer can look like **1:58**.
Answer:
**4:41**
